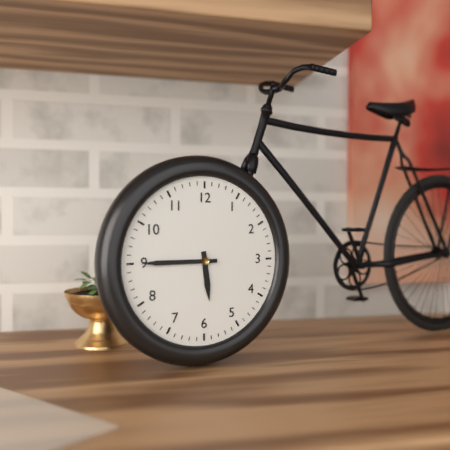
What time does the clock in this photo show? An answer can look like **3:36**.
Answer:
**5:45**
